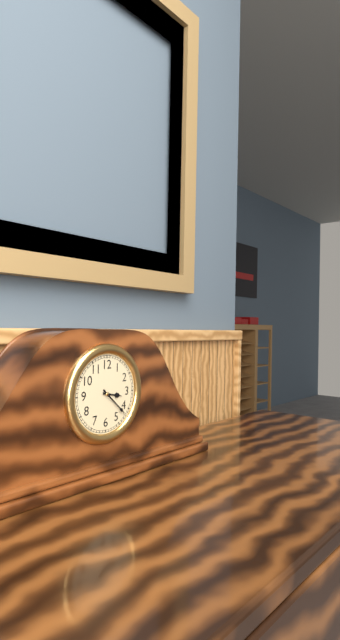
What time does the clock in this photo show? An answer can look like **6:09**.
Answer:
**3:22**
